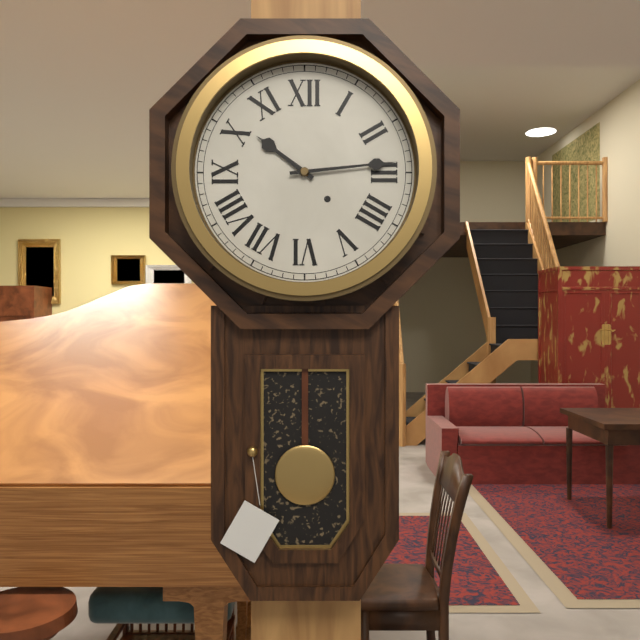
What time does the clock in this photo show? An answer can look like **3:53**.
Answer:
**10:14**
